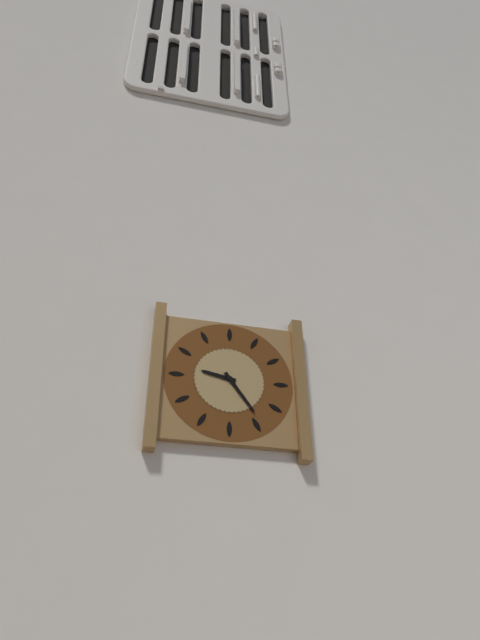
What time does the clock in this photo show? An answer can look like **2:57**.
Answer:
**9:24**
